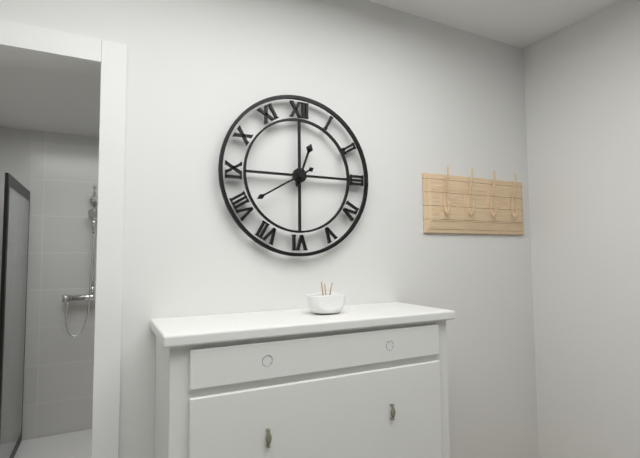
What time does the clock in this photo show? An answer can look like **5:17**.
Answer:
**12:40**
